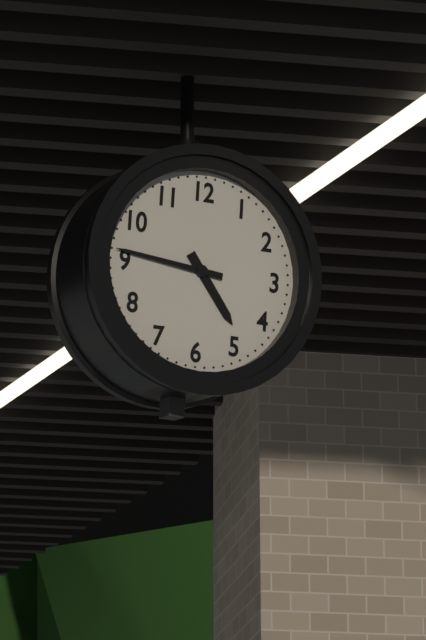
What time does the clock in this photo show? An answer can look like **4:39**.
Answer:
**4:46**
